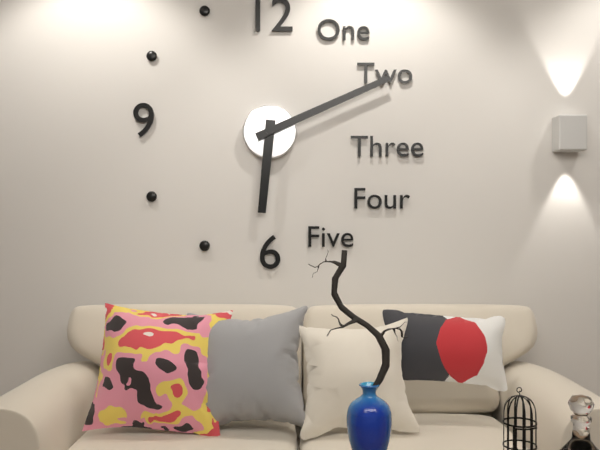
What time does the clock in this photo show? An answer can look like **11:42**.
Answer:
**6:11**
